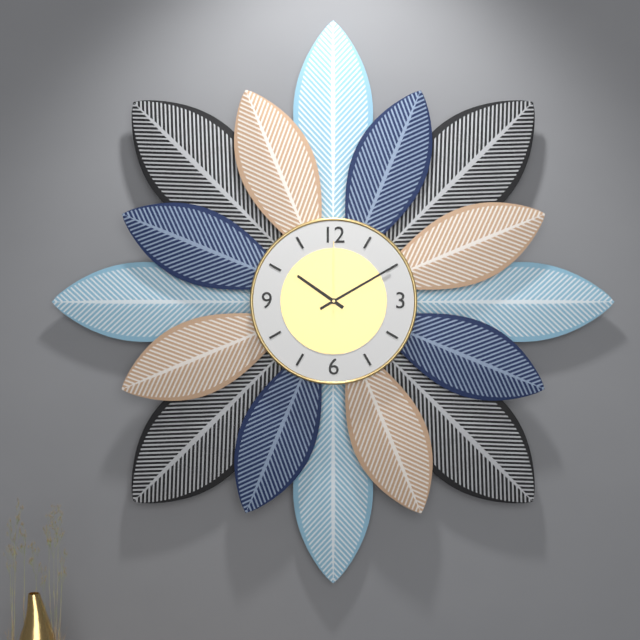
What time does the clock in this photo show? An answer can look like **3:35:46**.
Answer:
**10:10:00**
